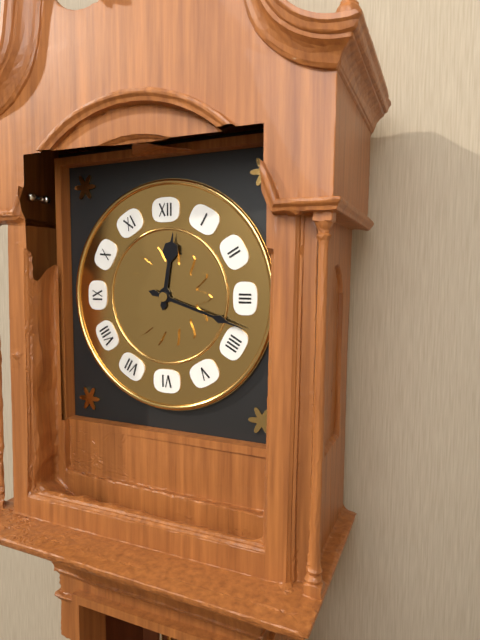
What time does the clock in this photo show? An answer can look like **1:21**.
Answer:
**12:18**
